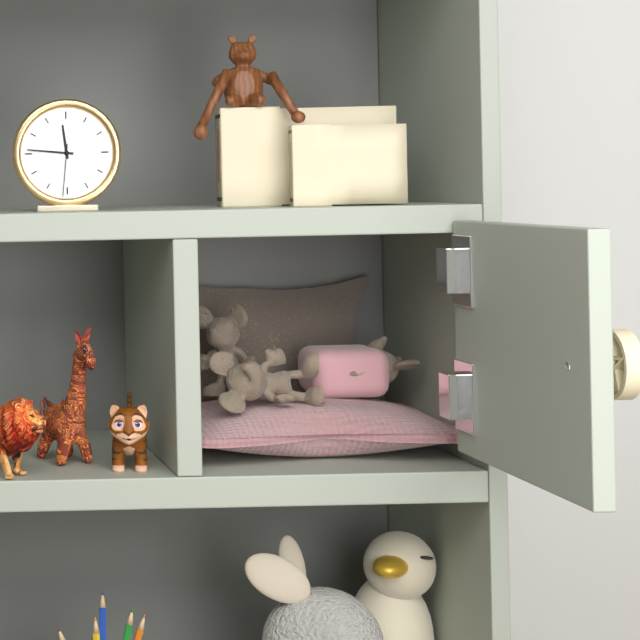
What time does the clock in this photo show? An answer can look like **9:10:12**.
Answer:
**11:46:31**
